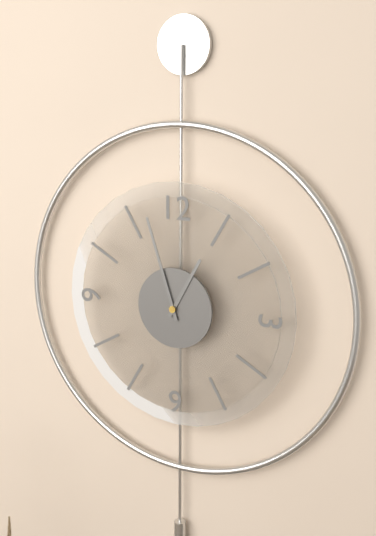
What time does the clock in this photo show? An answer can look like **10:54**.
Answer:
**12:57**
